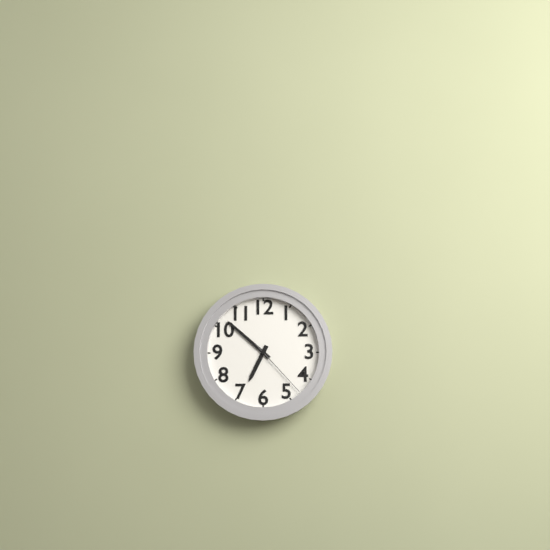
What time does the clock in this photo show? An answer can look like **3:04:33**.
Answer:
**6:52:23**
